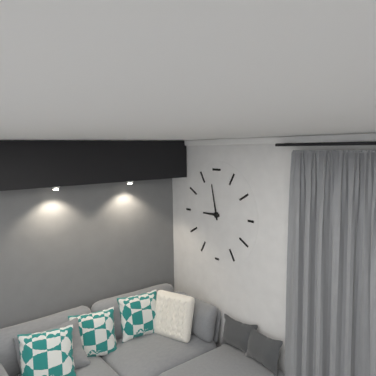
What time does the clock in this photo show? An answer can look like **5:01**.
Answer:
**8:58**
